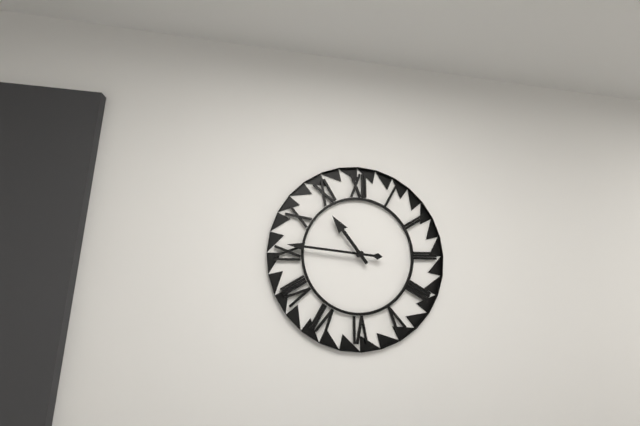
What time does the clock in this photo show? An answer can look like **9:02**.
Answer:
**10:46**
